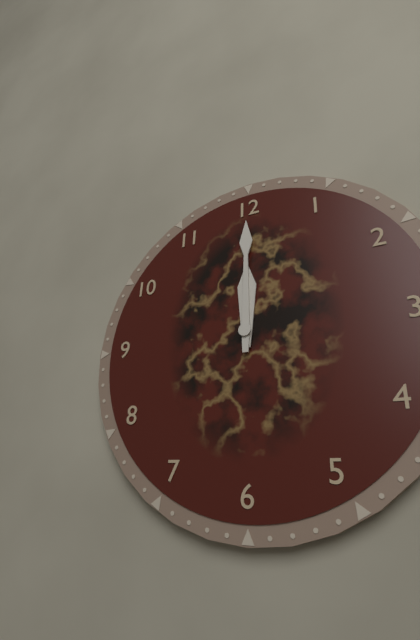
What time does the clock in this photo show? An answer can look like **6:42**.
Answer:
**12:00**
